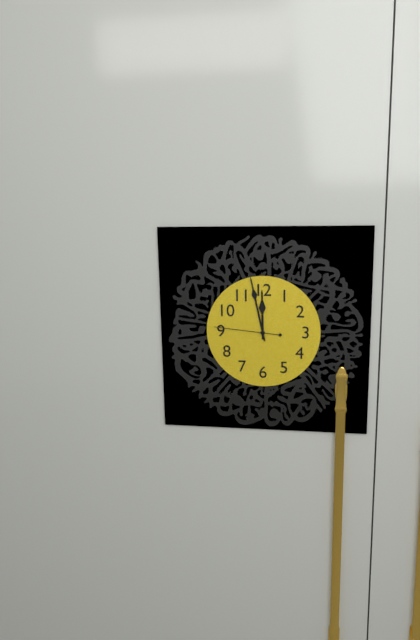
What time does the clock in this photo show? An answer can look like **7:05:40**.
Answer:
**11:58:46**
